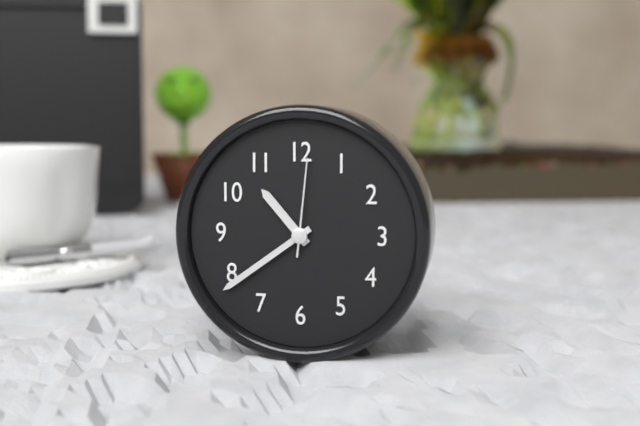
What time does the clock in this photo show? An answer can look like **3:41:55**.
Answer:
**10:39:01**
